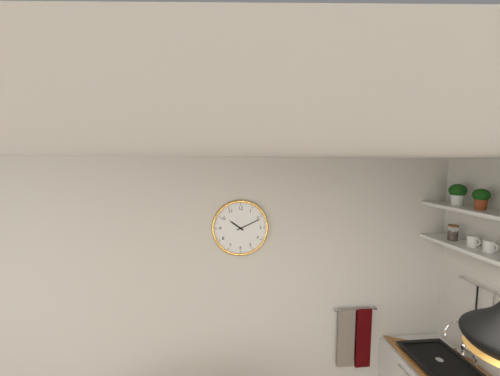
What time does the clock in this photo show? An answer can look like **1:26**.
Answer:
**10:11**
